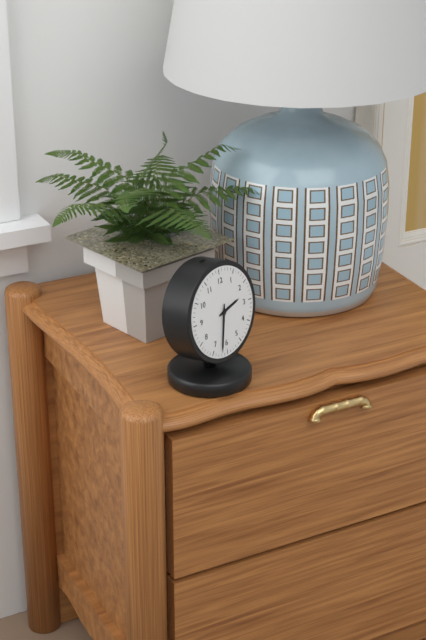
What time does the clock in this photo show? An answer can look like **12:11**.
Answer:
**2:32**
